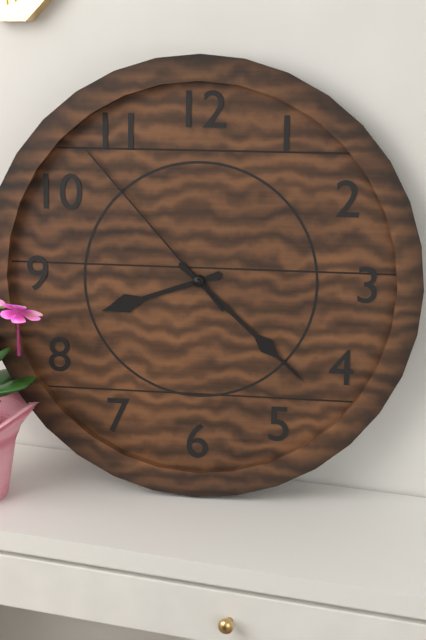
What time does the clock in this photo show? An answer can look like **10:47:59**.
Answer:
**8:22:53**
